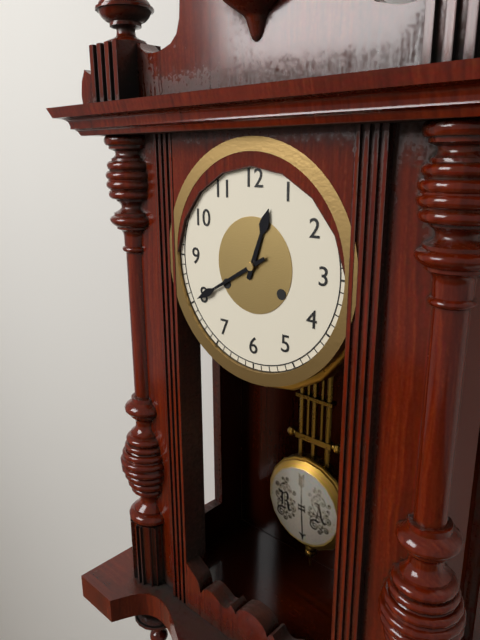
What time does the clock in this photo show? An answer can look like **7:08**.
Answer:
**12:40**
